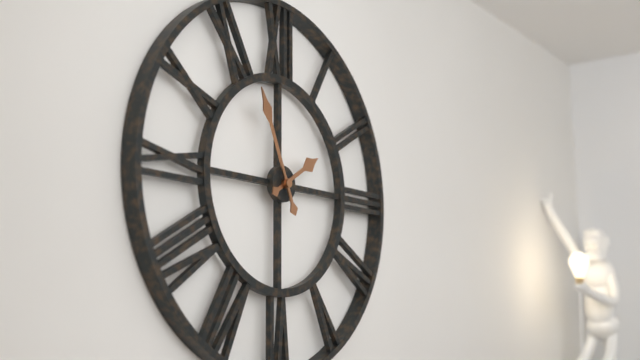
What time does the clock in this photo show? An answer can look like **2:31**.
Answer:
**1:56**
